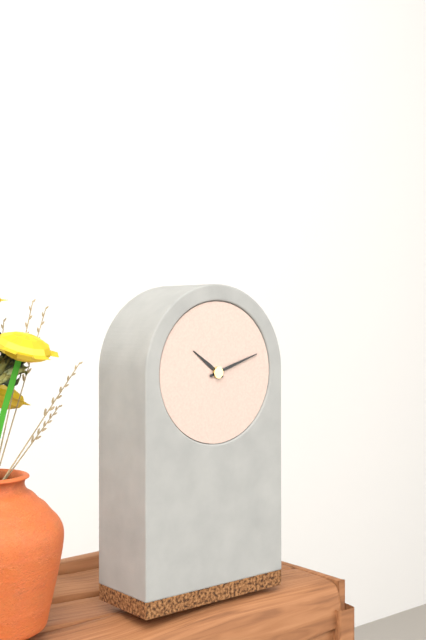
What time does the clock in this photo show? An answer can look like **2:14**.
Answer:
**10:12**
